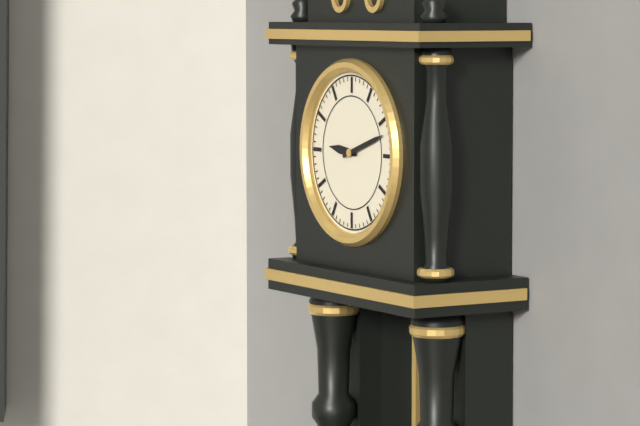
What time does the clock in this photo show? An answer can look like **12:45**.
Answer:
**9:12**
